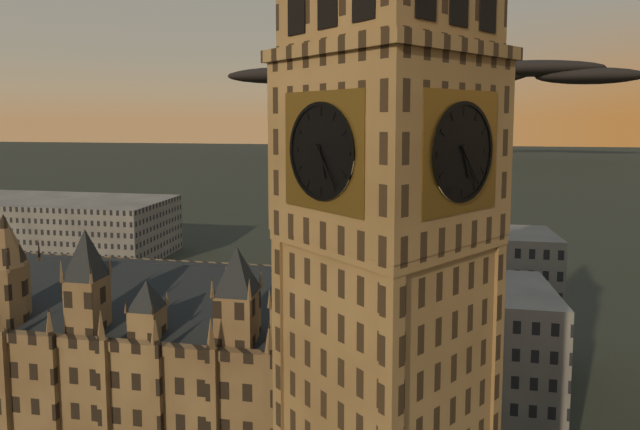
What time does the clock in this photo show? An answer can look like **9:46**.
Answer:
**5:24**
